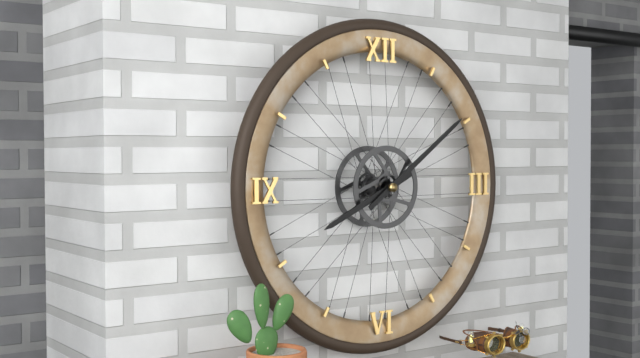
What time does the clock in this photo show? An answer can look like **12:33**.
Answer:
**8:09**
